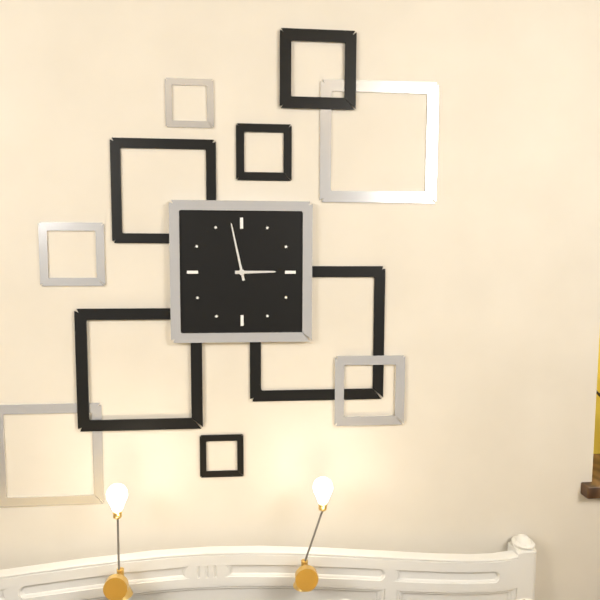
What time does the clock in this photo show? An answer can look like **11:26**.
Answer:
**2:58**
